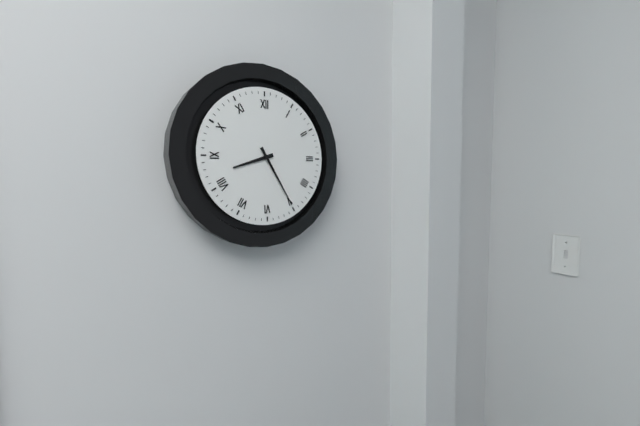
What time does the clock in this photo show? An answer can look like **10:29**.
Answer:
**8:25**
